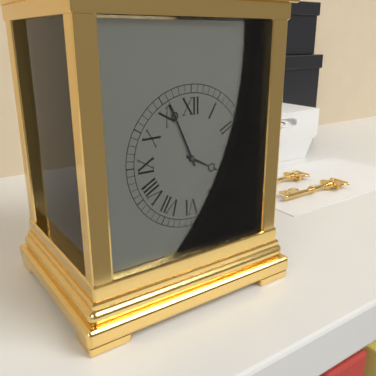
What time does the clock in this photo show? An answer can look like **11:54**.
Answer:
**3:56**
